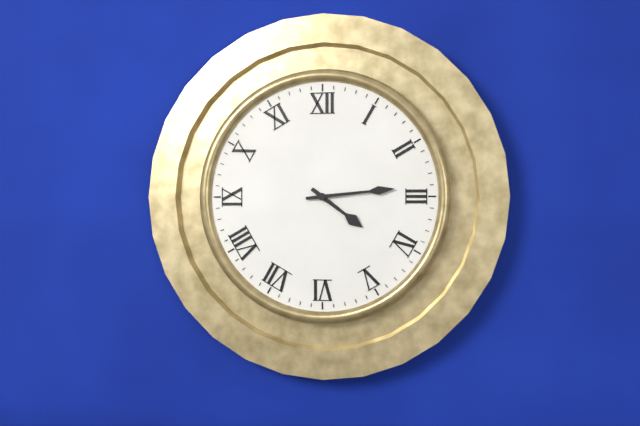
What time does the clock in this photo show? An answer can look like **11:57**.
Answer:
**4:14**
